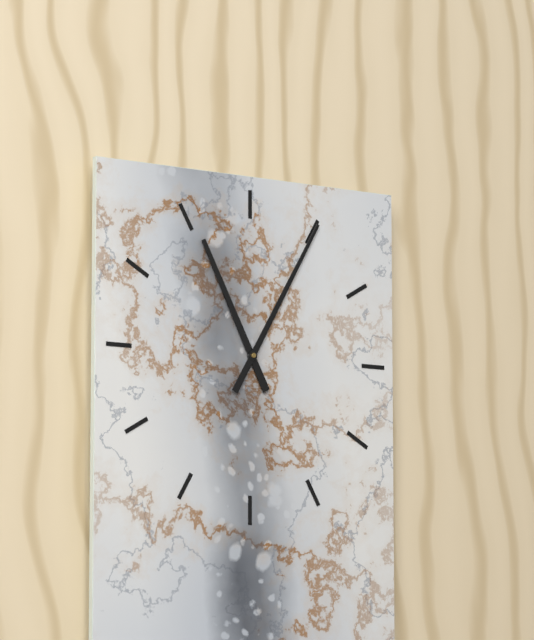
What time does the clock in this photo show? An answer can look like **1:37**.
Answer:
**11:05**
